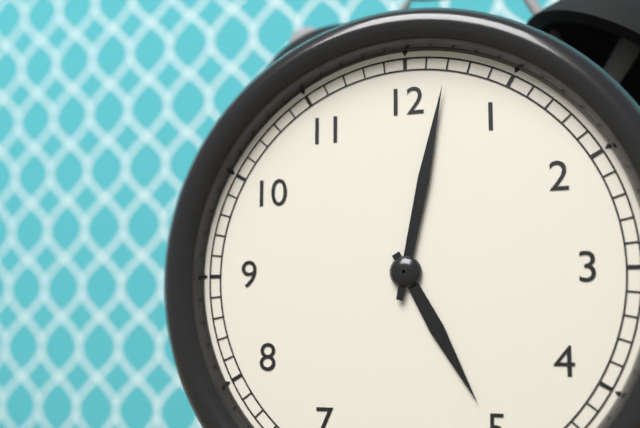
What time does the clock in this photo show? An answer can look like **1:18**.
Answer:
**5:02**
